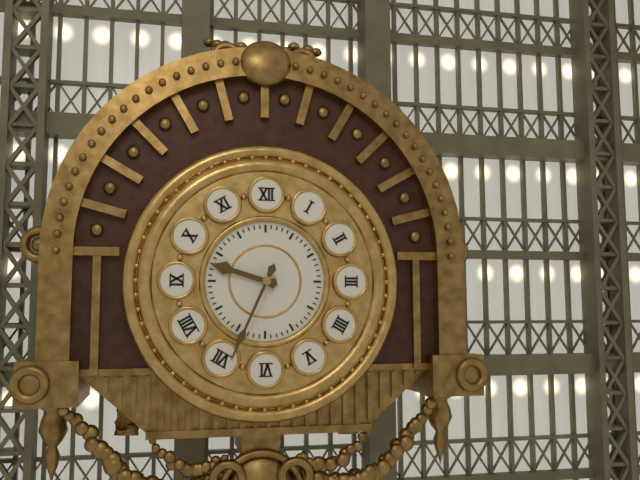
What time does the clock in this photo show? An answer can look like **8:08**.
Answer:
**9:34**
